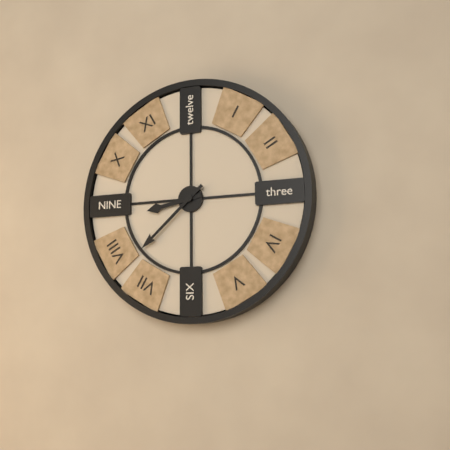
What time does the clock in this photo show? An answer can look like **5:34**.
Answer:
**8:38**
